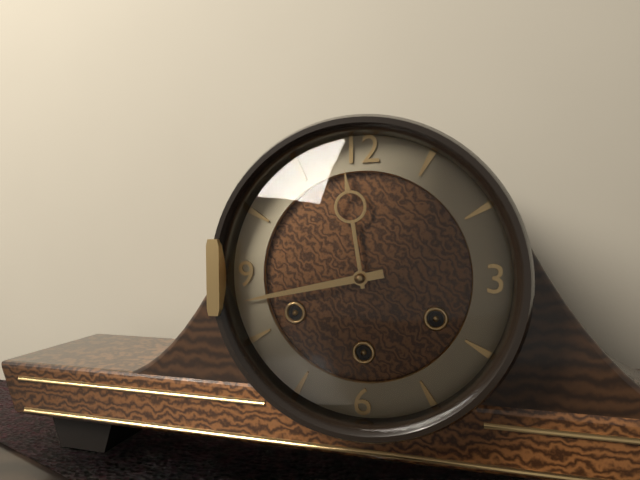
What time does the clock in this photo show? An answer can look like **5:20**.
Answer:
**11:43**
